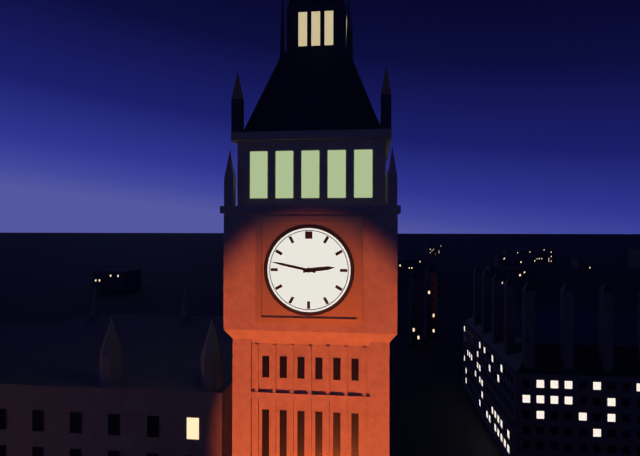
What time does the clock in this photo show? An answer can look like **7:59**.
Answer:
**2:47**
